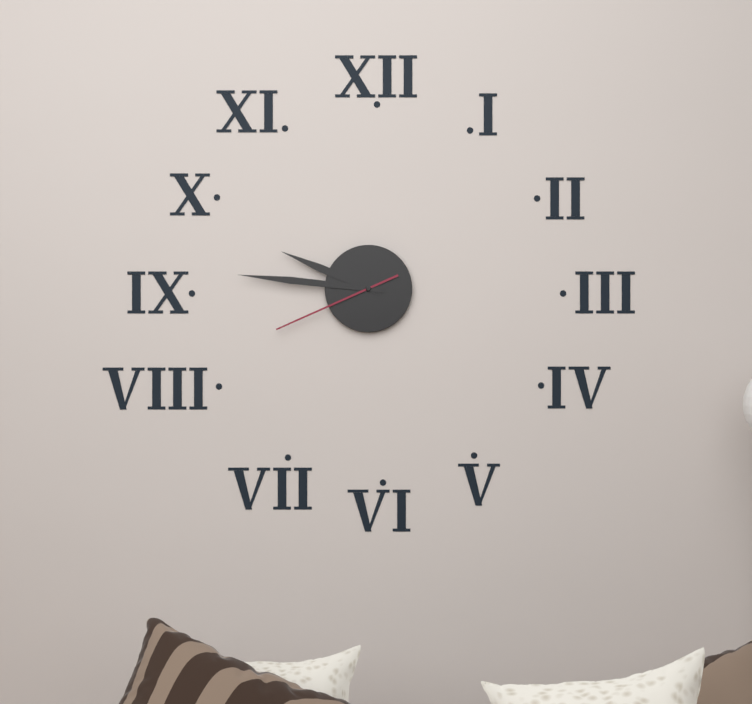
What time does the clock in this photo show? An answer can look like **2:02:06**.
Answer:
**9:46:41**
